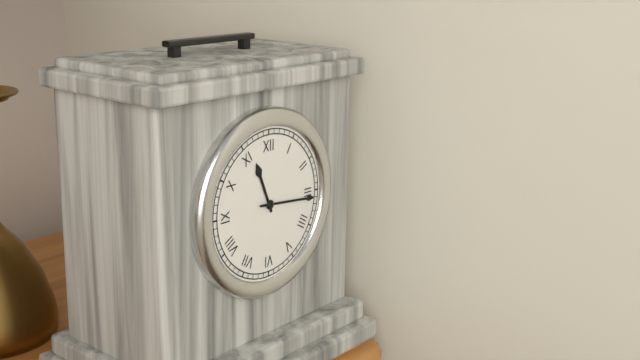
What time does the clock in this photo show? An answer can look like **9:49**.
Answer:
**11:16**
